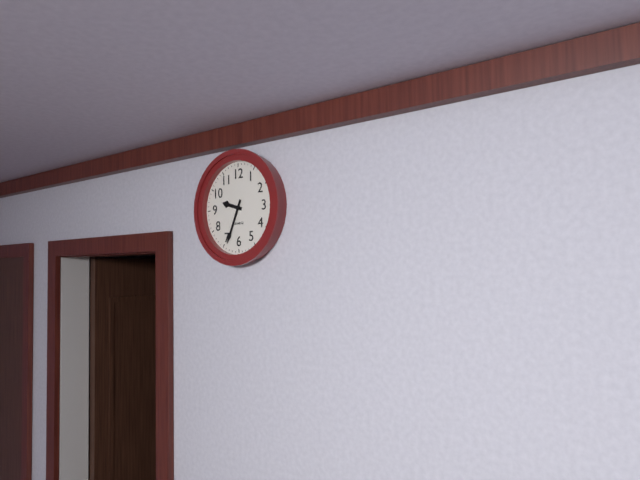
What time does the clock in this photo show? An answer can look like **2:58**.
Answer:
**9:34**
